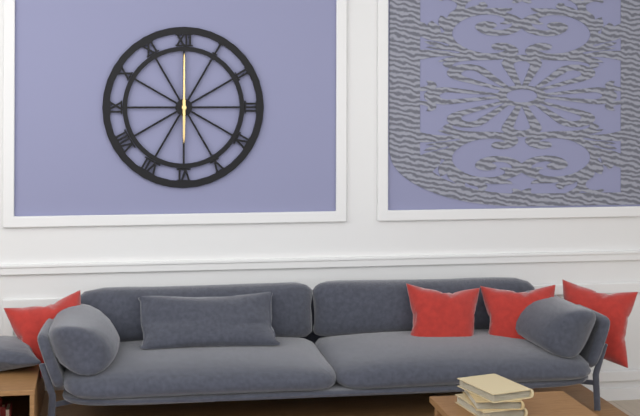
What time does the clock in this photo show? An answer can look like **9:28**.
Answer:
**6:00**
